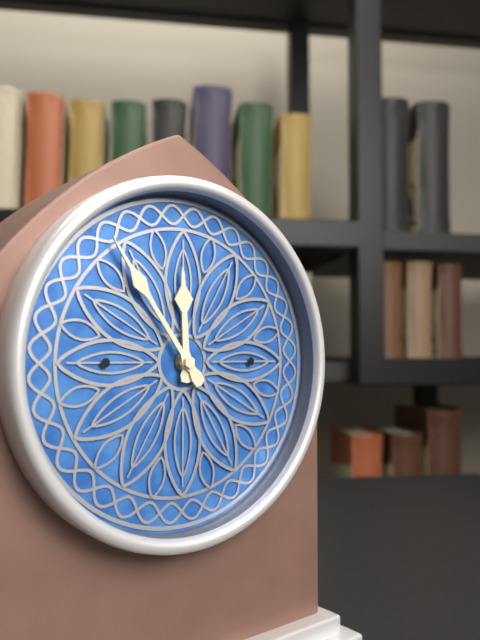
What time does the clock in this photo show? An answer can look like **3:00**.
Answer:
**11:54**
